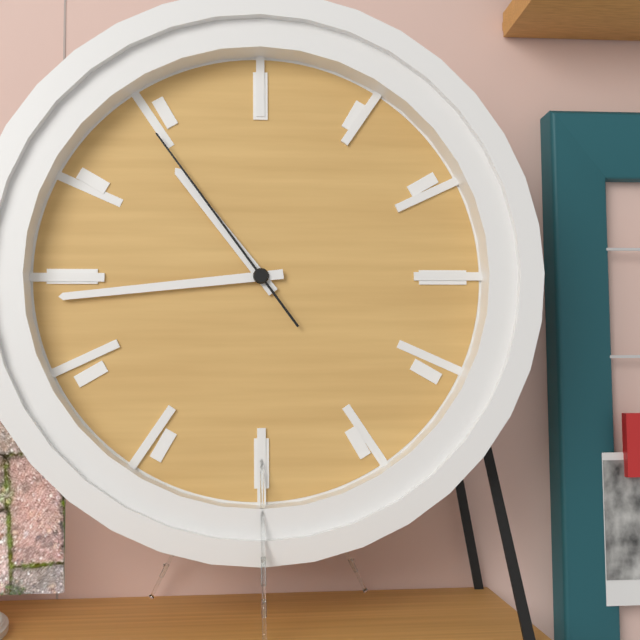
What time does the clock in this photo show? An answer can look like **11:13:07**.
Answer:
**10:44:54**
